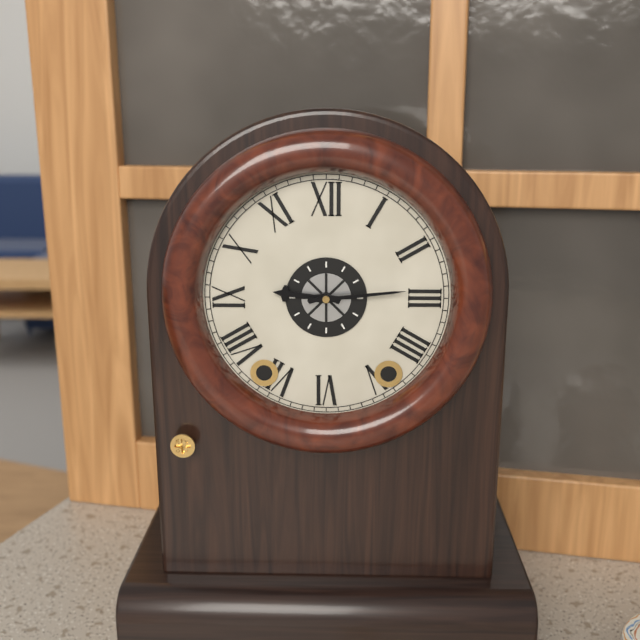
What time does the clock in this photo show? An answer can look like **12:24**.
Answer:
**9:14**
